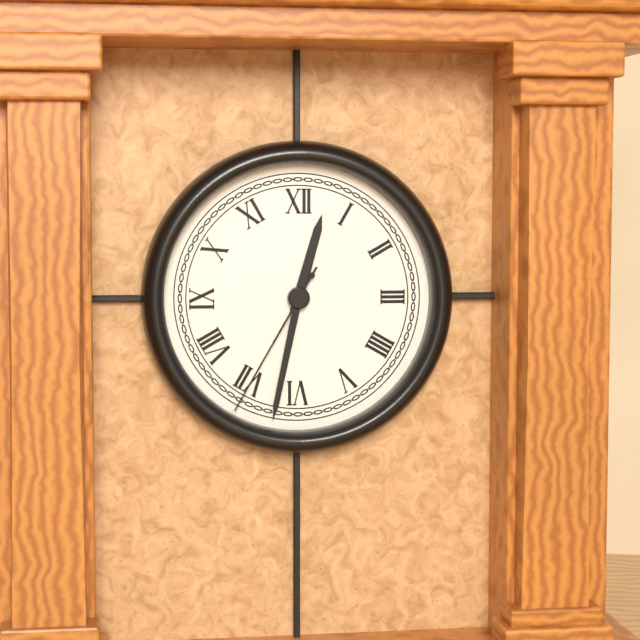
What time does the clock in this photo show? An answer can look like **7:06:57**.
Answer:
**12:32:35**
